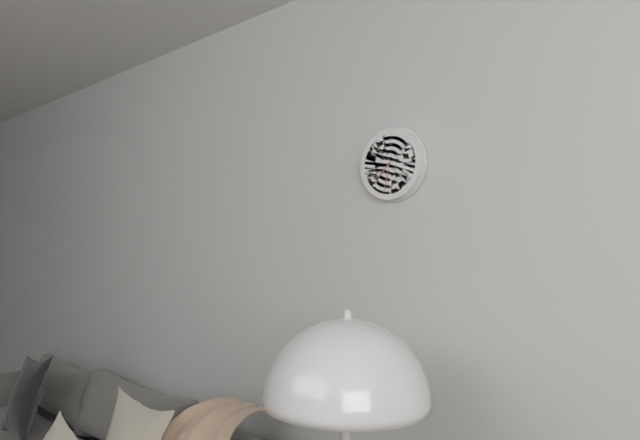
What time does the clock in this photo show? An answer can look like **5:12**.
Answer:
**7:32**
